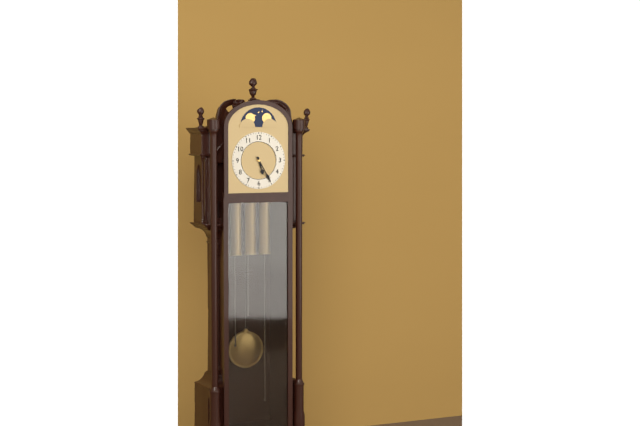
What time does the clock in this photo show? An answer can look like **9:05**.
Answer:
**5:25**
